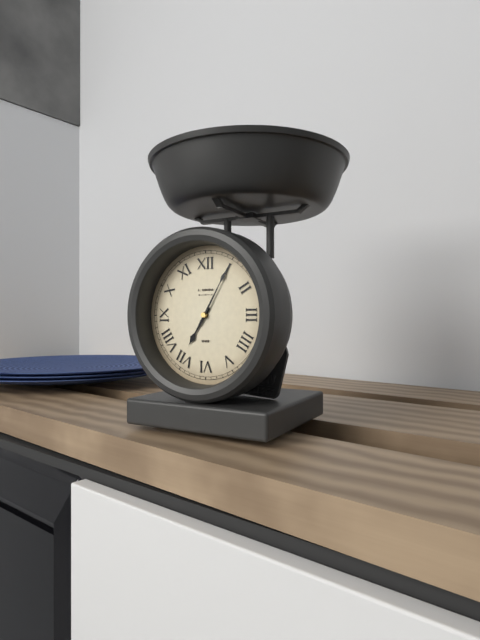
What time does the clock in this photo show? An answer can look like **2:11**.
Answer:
**7:05**
